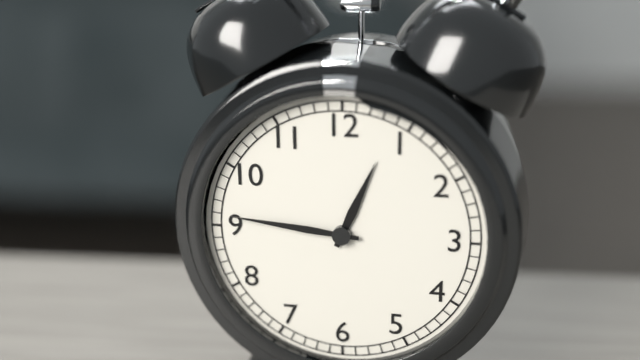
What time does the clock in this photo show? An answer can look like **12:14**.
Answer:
**12:46**
